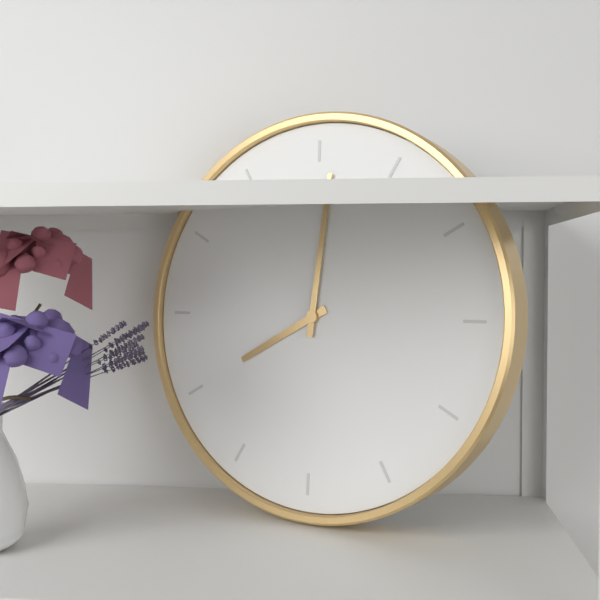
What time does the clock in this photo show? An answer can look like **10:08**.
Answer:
**8:01**
